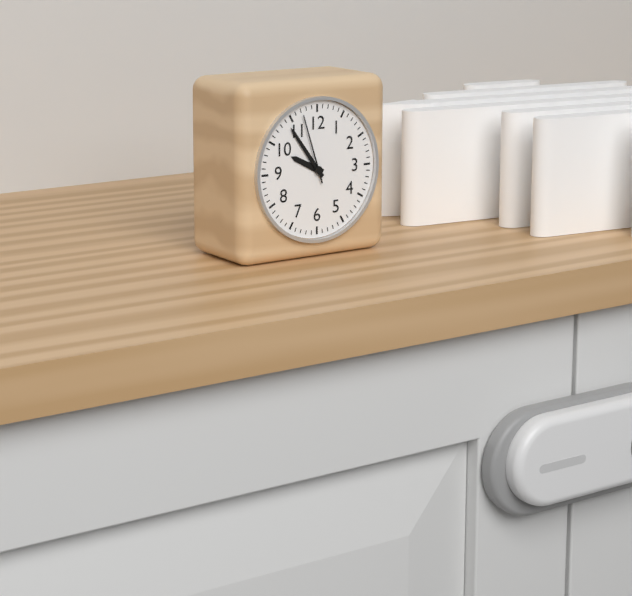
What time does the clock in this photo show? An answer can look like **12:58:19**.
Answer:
**9:54:57**
